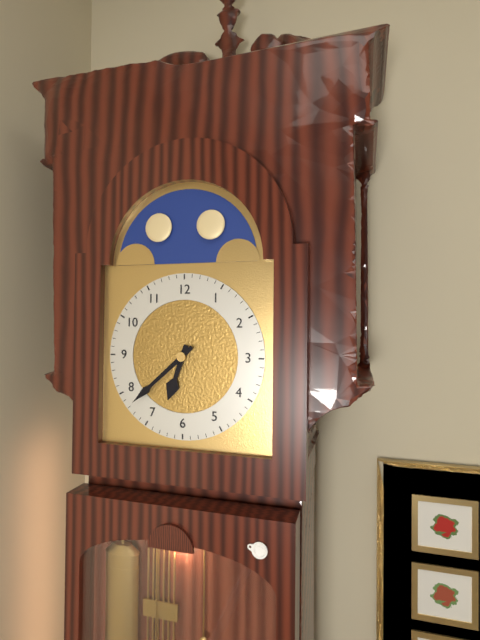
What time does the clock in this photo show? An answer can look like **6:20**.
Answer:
**6:38**
